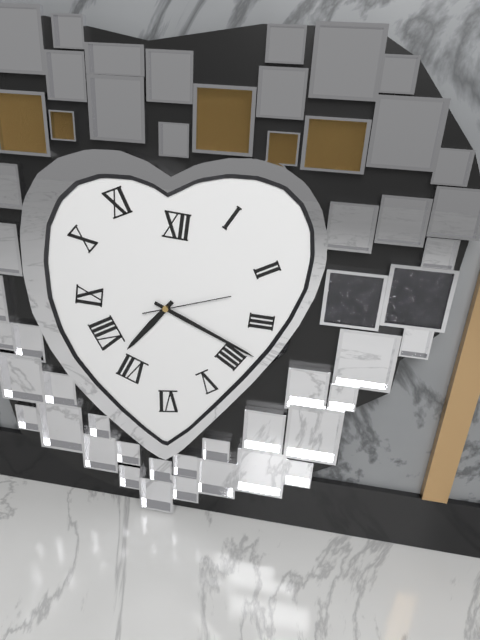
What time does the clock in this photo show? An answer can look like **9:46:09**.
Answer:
**7:19:12**
